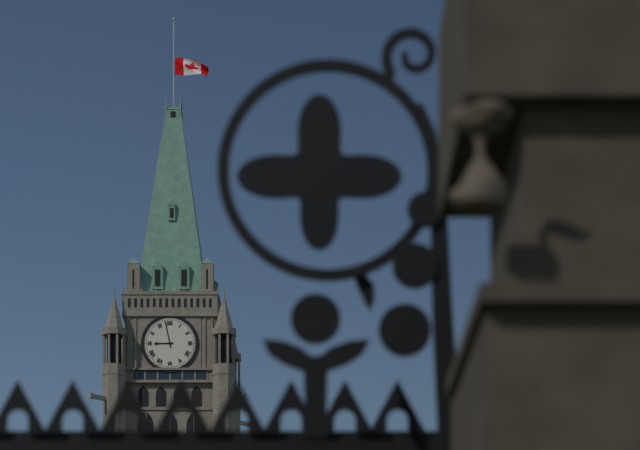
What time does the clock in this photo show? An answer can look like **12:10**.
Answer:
**8:58**
